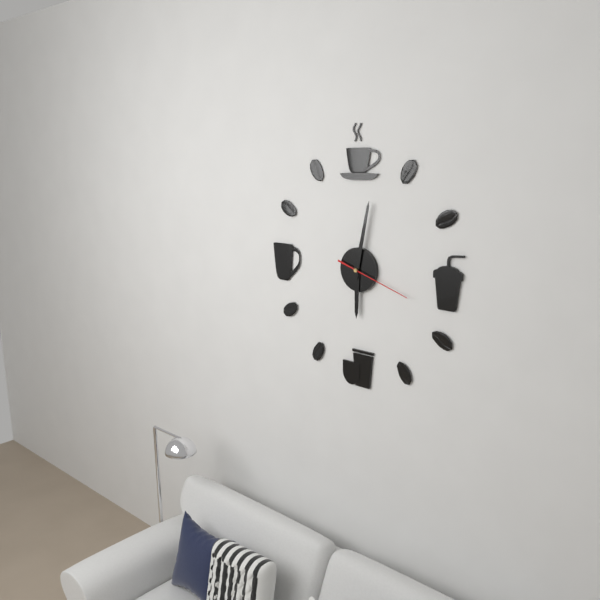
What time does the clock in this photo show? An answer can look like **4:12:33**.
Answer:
**6:02:18**
